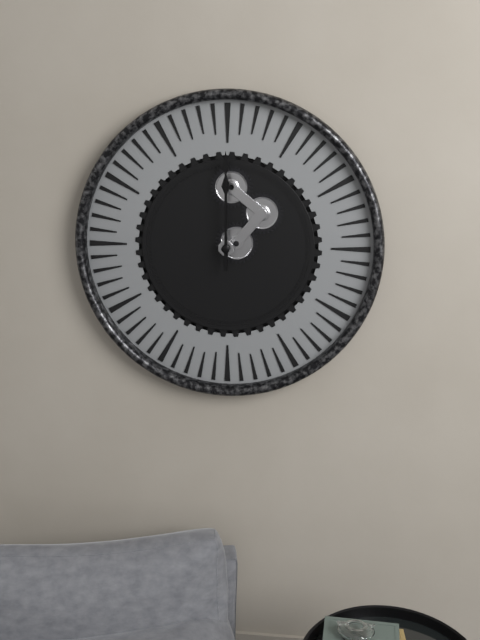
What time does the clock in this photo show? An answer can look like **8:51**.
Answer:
**12:00**
